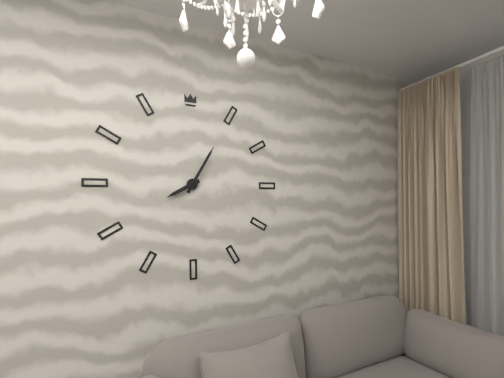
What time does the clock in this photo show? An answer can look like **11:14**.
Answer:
**8:05**
